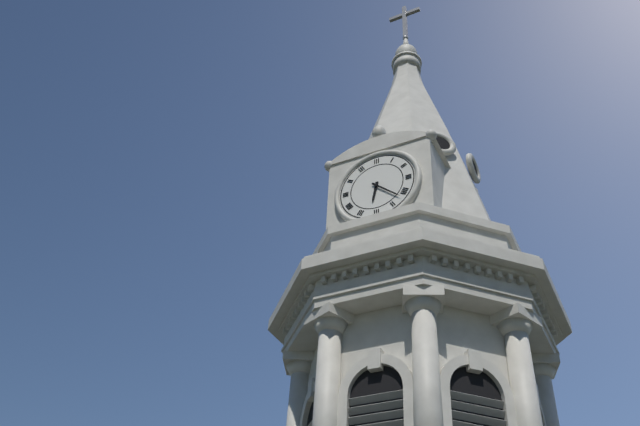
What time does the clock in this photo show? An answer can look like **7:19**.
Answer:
**6:22**
